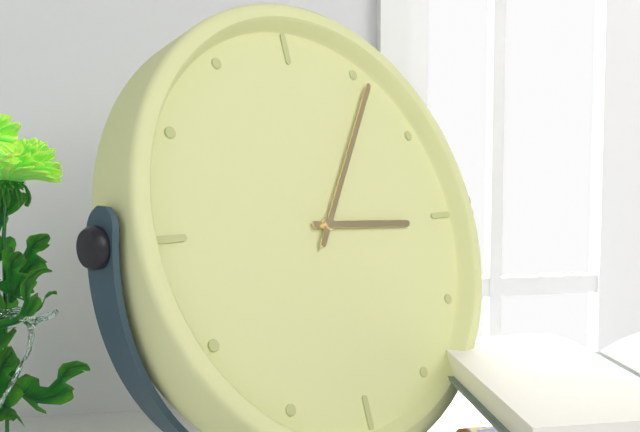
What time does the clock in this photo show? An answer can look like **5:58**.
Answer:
**3:06**
